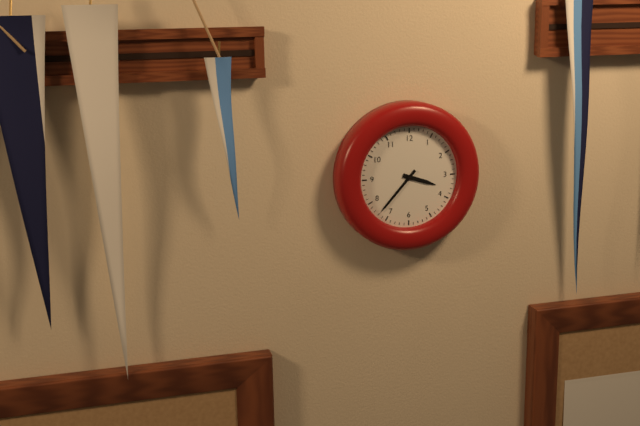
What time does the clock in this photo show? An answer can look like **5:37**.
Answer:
**3:37**
